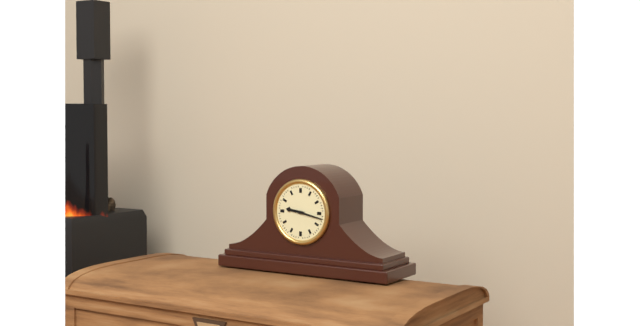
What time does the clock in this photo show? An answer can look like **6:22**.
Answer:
**9:17**
